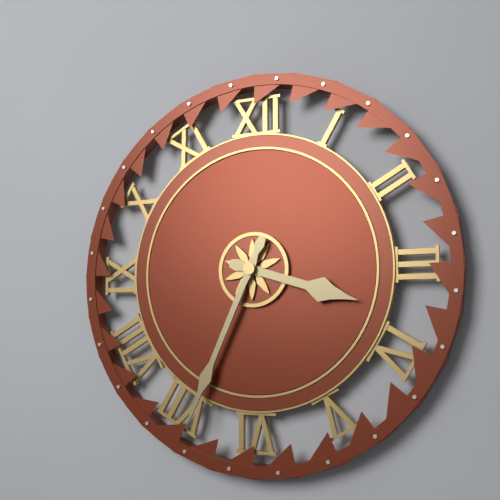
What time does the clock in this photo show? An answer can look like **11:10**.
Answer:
**3:34**
